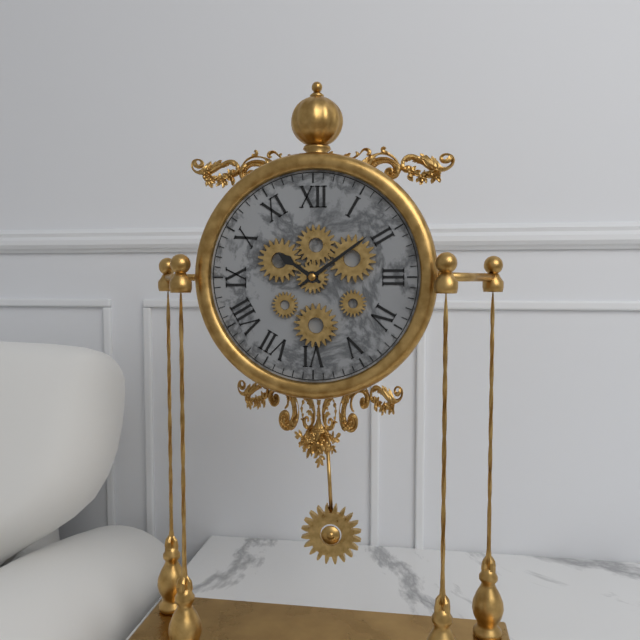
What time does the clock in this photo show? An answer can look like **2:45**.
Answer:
**10:09**
